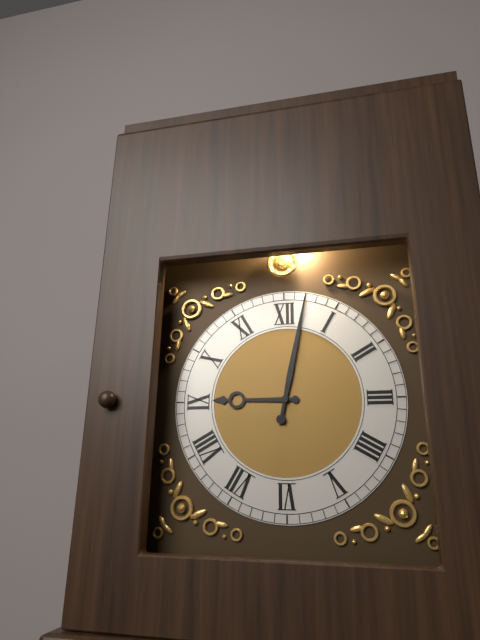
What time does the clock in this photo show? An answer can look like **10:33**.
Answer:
**9:02**
